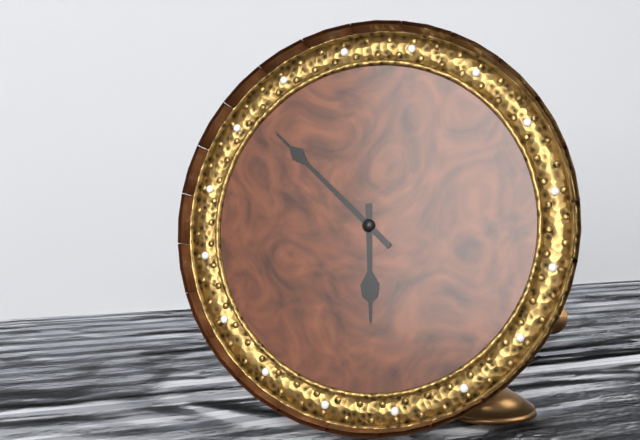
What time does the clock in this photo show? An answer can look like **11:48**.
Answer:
**5:52**
